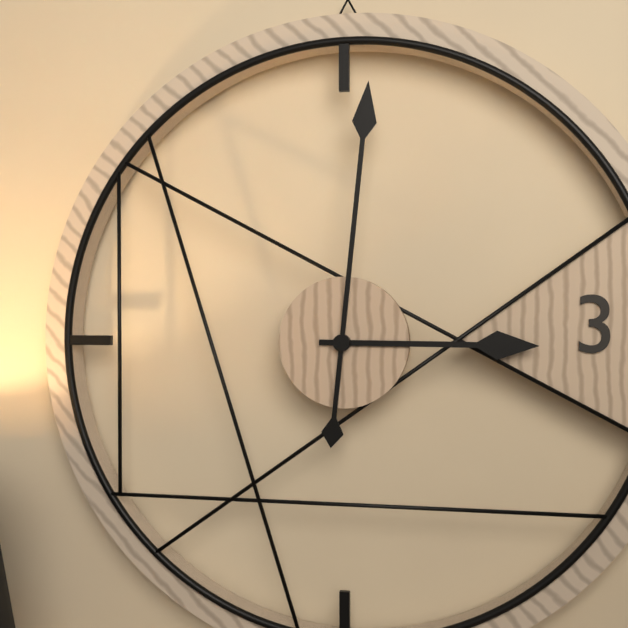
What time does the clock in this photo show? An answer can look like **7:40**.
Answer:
**3:01**
